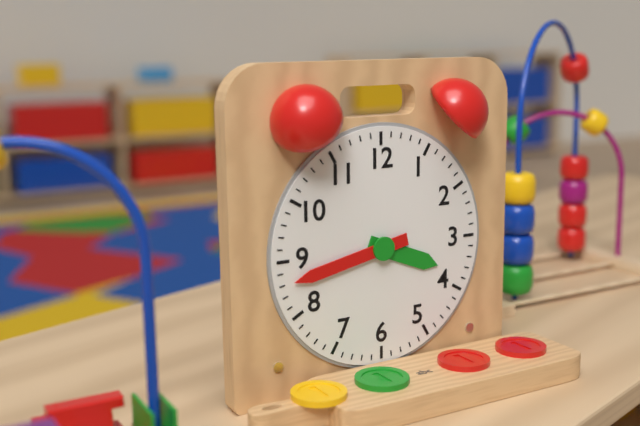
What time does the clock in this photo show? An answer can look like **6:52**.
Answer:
**3:43**
